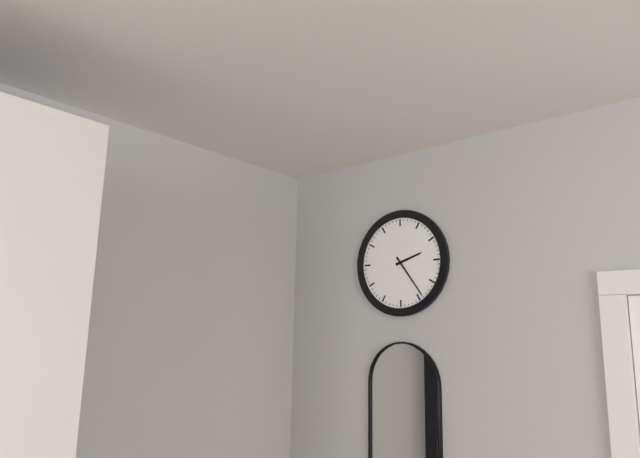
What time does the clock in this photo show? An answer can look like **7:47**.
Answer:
**2:24**
